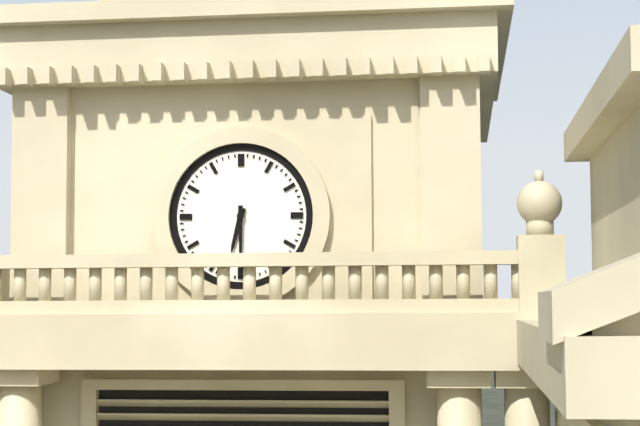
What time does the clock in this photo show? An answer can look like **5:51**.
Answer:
**6:30**
